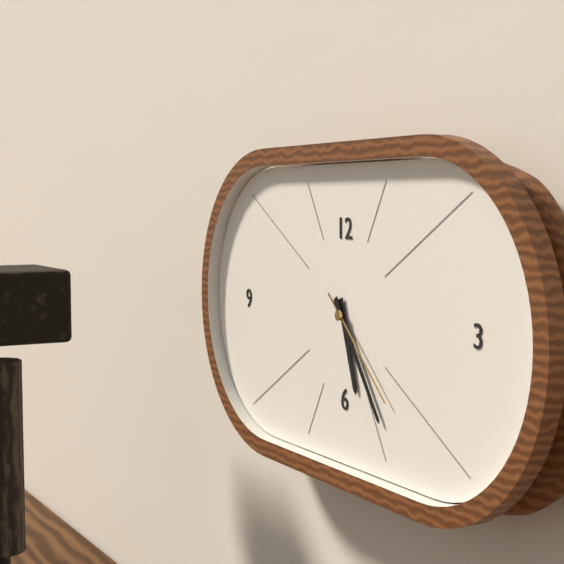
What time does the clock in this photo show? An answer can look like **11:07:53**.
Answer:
**5:24:22**
